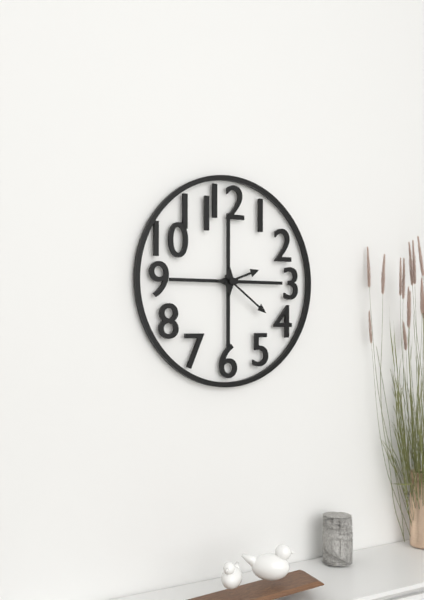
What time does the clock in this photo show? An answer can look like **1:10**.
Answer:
**2:21**
